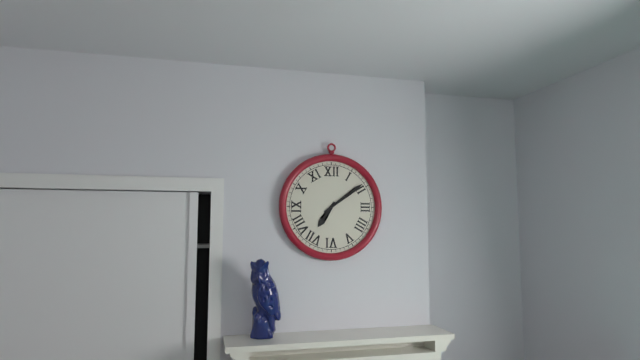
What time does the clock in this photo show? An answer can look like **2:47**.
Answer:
**7:09**
